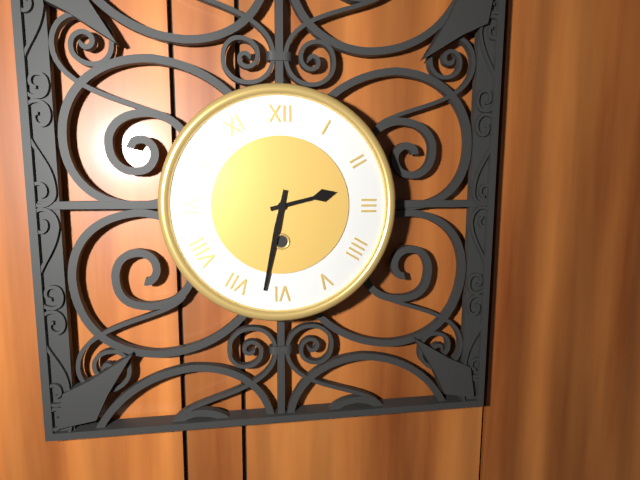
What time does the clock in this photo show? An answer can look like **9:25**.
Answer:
**2:32**
